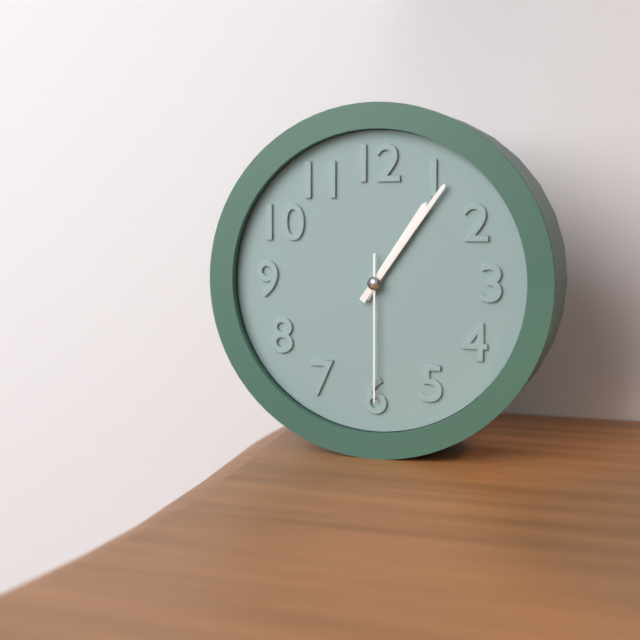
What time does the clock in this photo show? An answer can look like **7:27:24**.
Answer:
**1:06:30**
